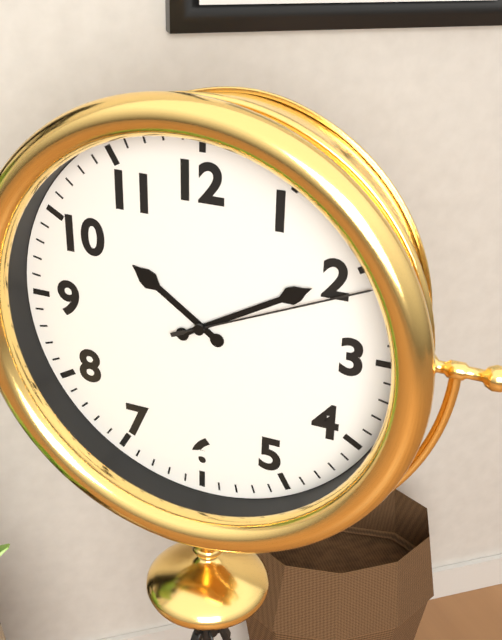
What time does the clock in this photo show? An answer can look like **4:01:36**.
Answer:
**10:10:11**
